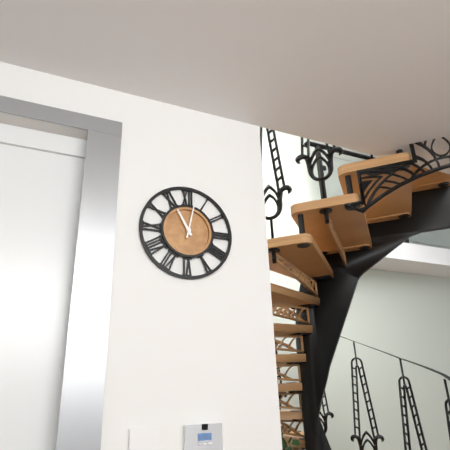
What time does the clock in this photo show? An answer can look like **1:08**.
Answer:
**11:02**
